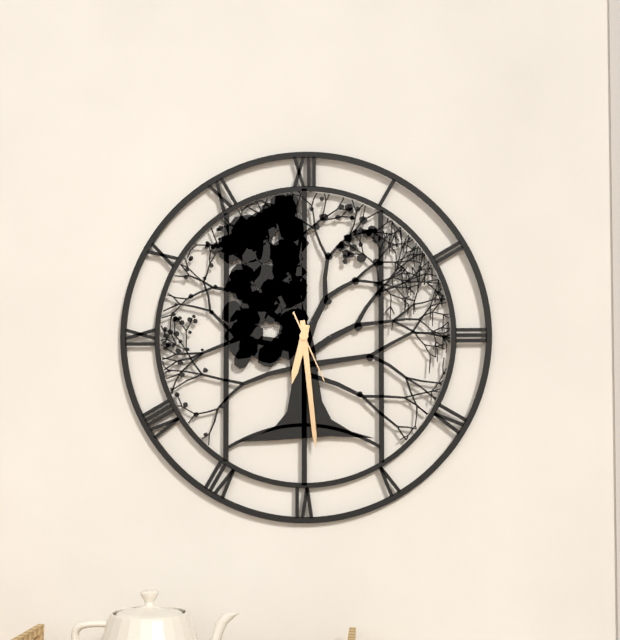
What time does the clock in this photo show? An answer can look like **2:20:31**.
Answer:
**6:29:26**
